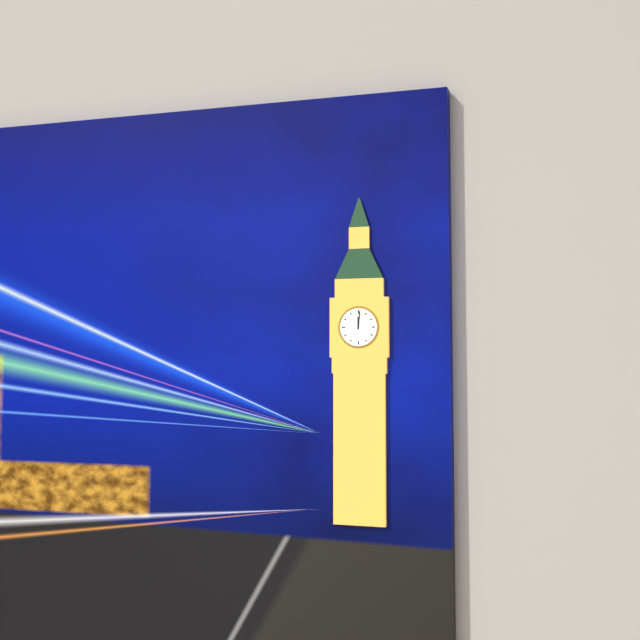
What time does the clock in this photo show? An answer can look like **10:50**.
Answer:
**12:01**
